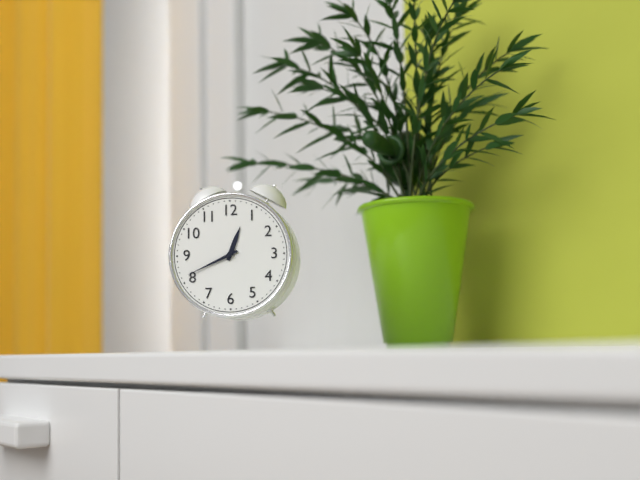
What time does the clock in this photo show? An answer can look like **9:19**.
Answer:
**12:41**
